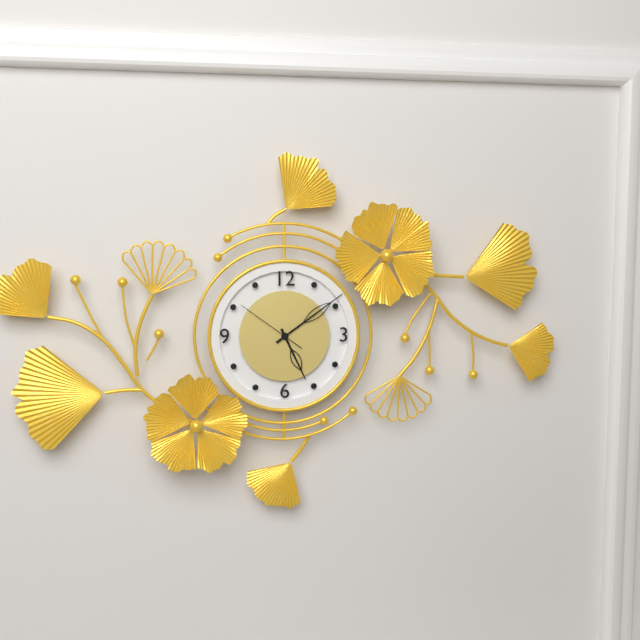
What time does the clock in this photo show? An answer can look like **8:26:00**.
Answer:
**5:09:51**
